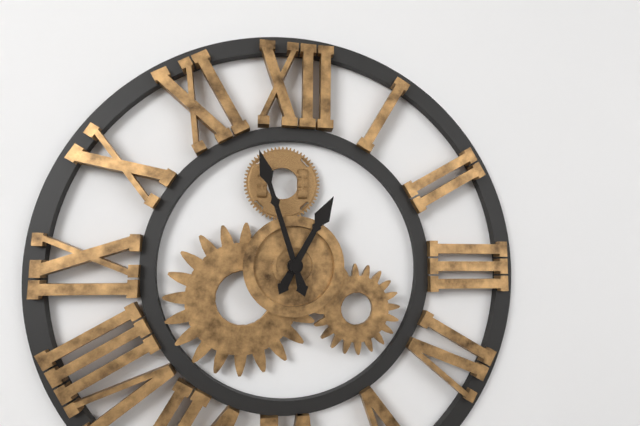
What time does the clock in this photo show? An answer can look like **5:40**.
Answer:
**12:57**
